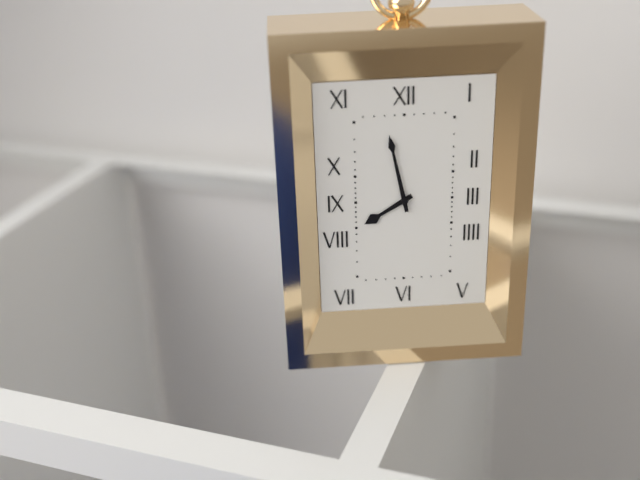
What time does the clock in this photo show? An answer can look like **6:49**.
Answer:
**7:58**
